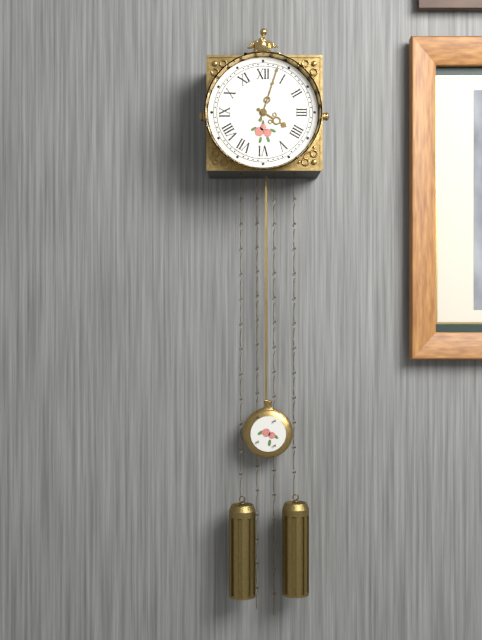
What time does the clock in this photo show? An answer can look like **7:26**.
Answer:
**4:03**
